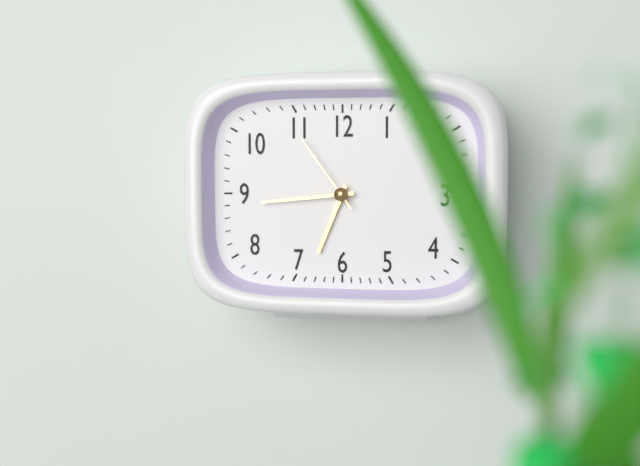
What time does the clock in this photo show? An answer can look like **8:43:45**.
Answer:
**6:44:54**
